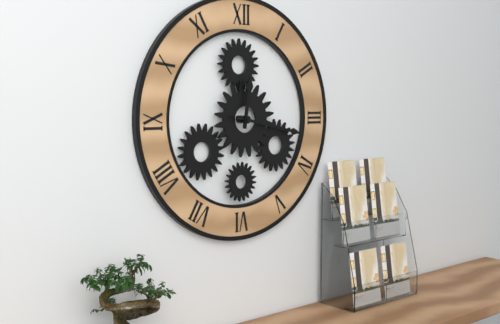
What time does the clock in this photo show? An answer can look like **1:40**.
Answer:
**12:17**
